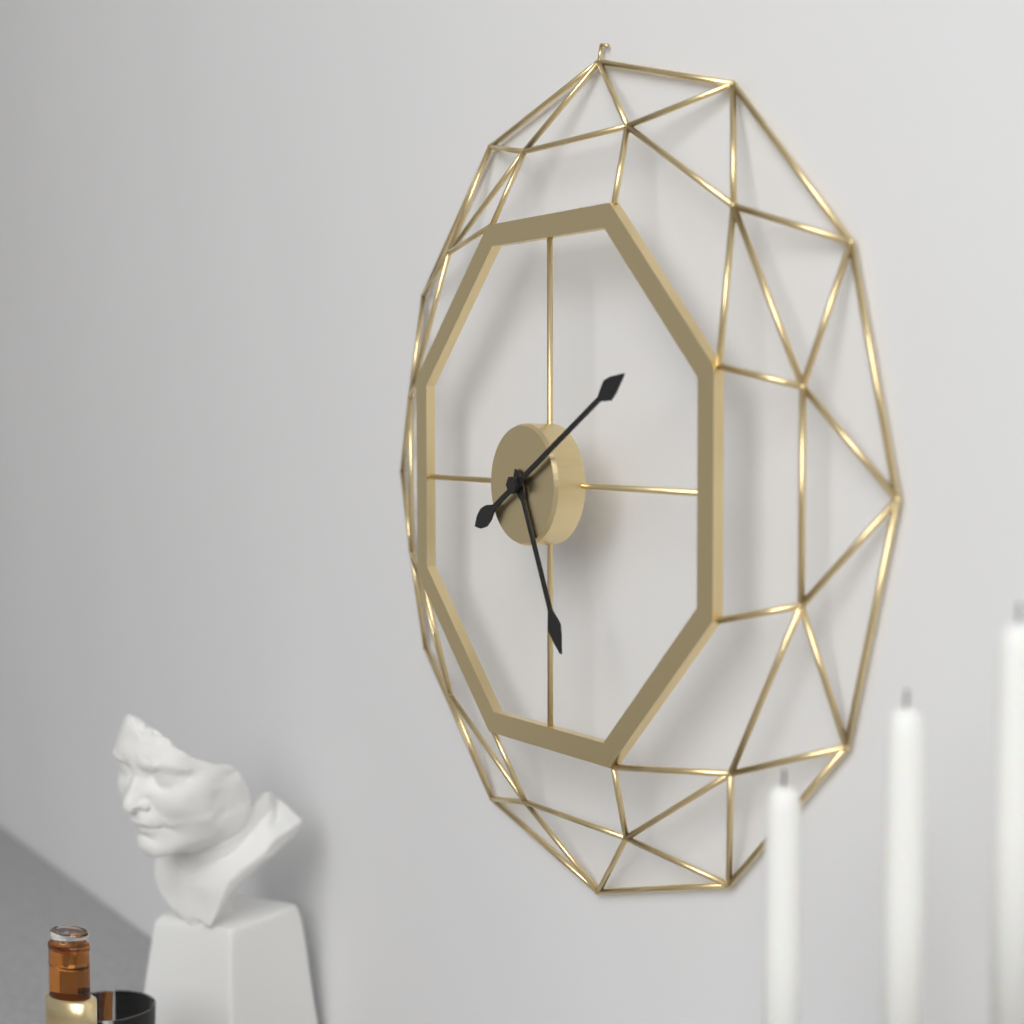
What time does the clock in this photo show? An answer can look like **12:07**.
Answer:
**5:10**
